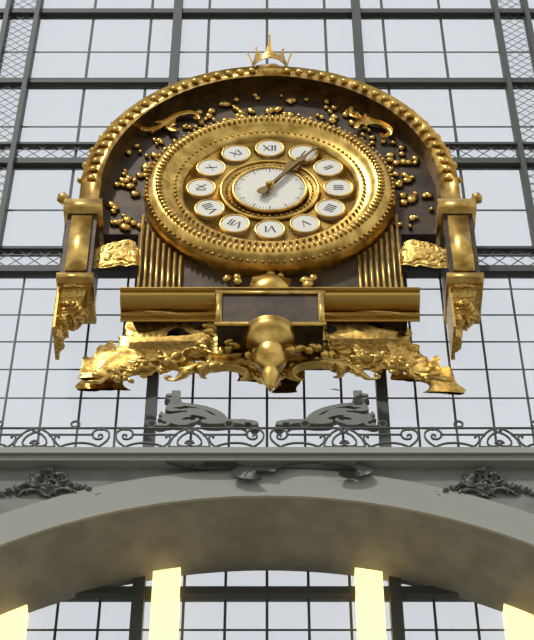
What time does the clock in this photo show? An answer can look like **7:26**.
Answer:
**1:06**
